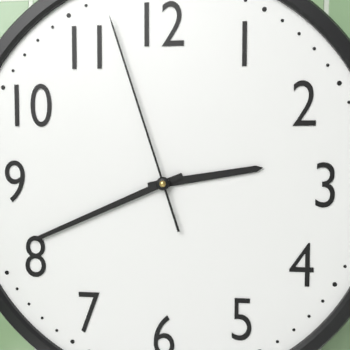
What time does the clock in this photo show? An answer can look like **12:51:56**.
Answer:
**2:41:57**
